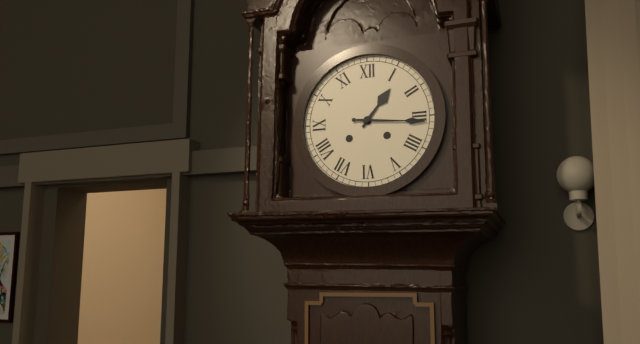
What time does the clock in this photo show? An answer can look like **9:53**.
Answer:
**1:16**
